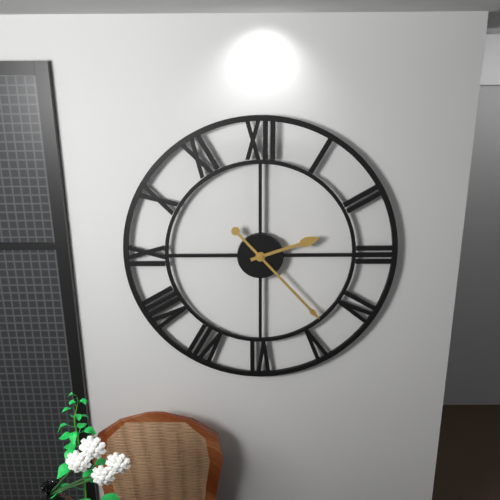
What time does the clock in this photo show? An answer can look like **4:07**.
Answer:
**2:23**
